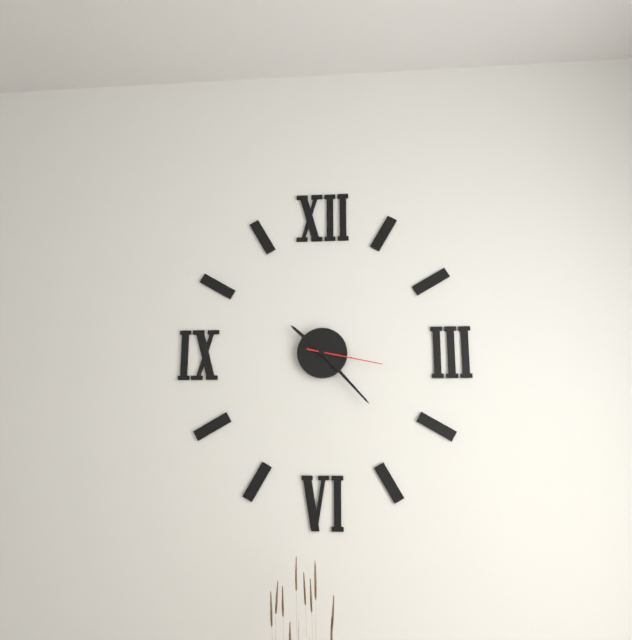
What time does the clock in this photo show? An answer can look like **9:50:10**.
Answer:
**10:23:17**
